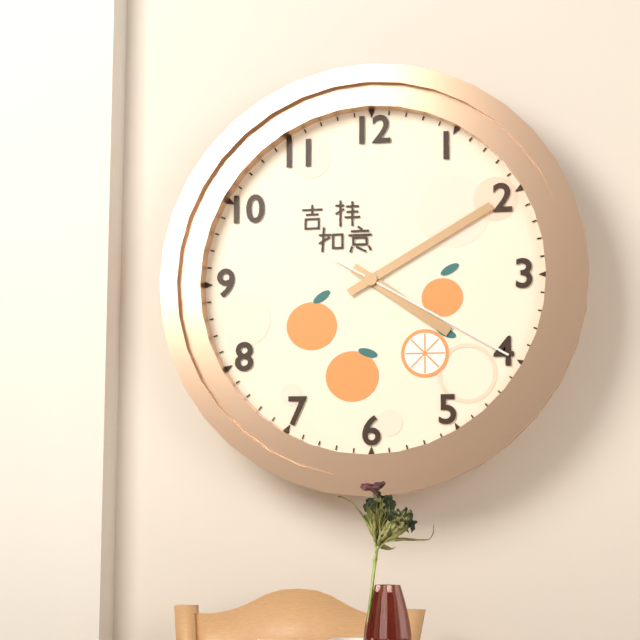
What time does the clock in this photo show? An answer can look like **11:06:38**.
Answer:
**4:10:20**
